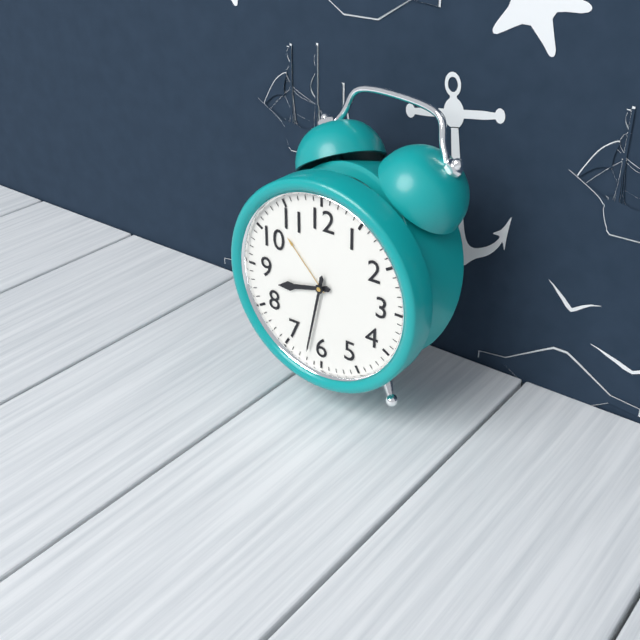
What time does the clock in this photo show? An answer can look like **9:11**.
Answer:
**8:32**
